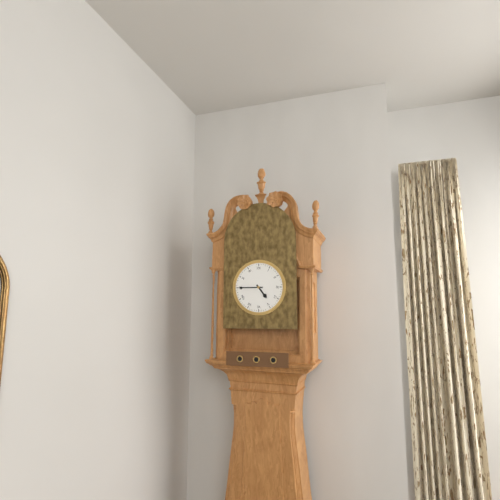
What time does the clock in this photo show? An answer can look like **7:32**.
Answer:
**4:45**
